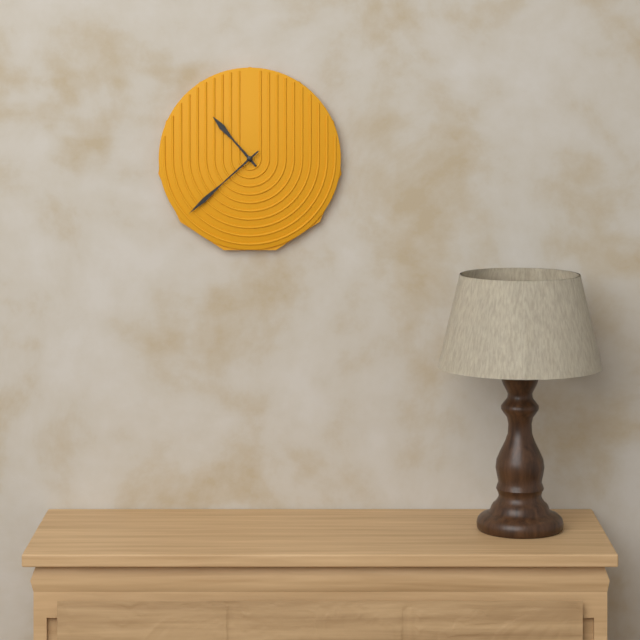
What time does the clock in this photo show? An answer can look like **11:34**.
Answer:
**10:38**
